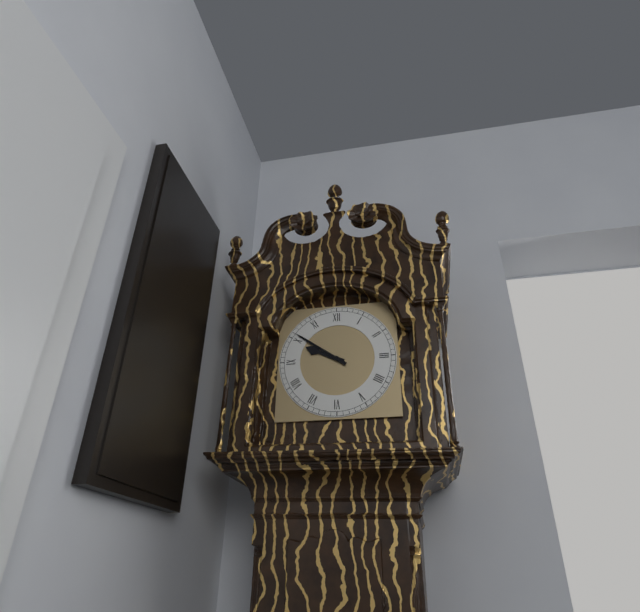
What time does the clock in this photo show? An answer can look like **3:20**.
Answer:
**9:51**
